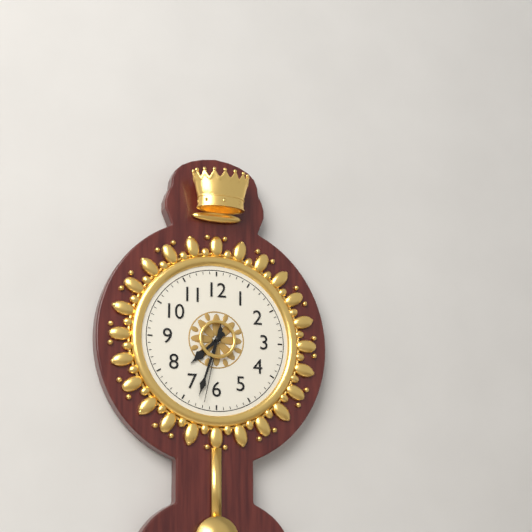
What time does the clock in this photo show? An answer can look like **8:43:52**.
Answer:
**7:33:32**
